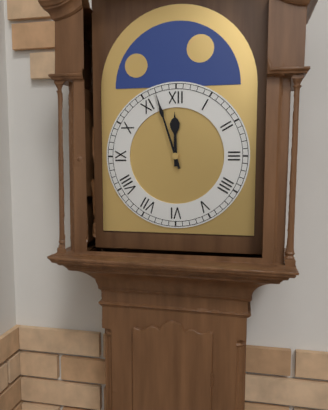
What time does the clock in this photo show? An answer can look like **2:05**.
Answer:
**11:57**
